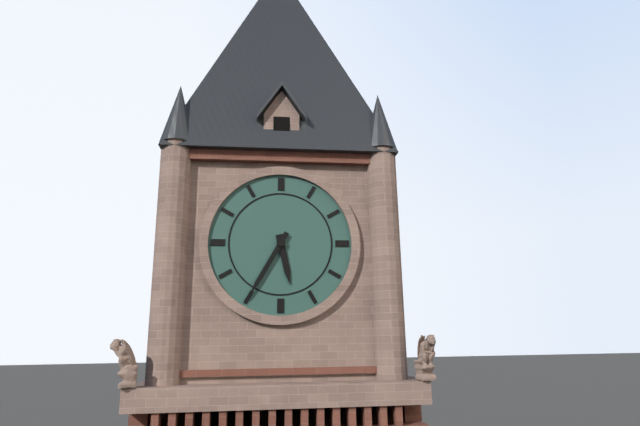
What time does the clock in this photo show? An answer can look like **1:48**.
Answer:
**5:35**
